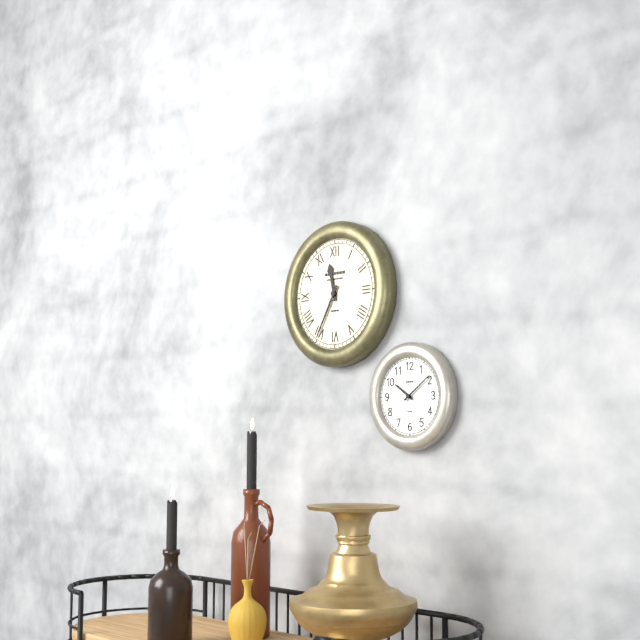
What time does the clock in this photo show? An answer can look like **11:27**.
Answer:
**11:35**
